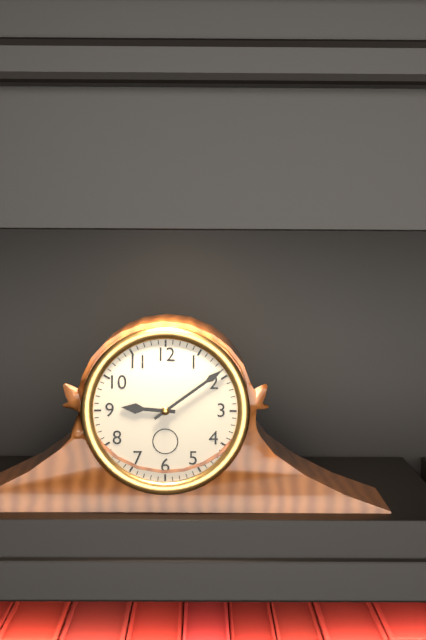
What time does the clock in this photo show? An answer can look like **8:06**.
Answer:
**9:09**
